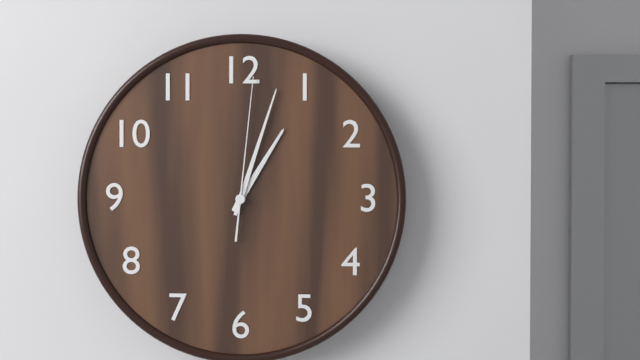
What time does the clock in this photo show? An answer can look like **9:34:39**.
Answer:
**1:03:01**
